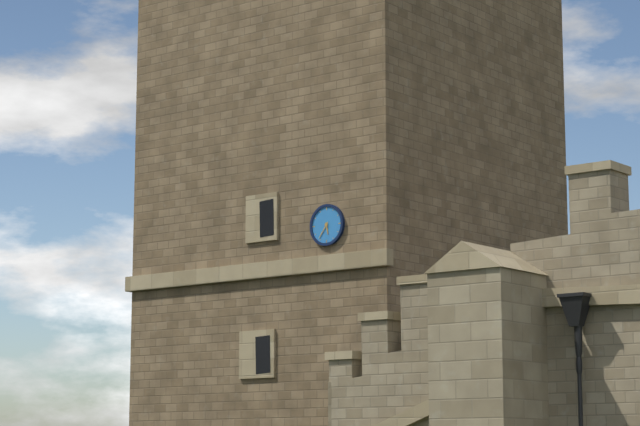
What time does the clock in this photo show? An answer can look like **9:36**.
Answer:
**5:36**
